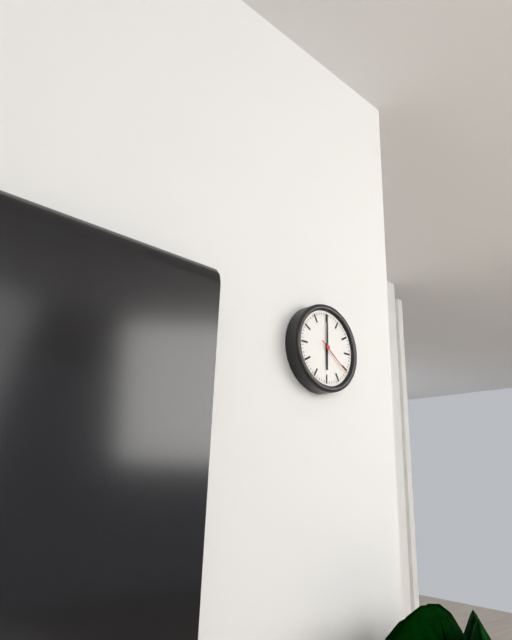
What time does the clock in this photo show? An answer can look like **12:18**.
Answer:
**6:00**
